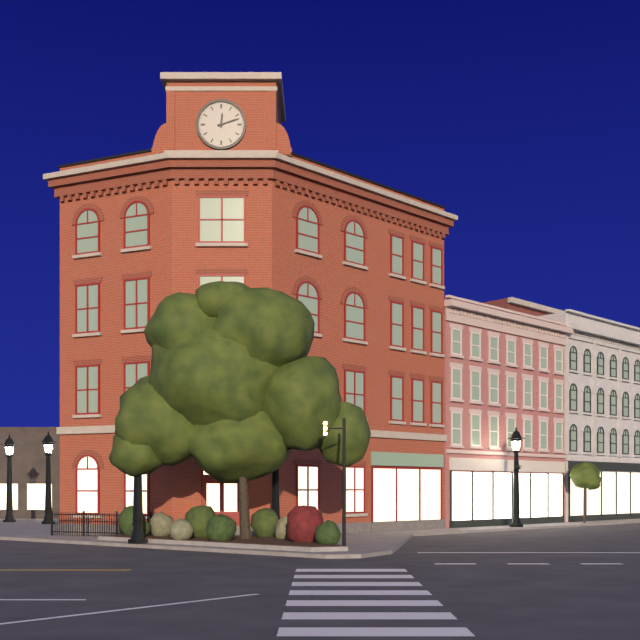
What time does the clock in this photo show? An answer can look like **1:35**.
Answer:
**12:12**
